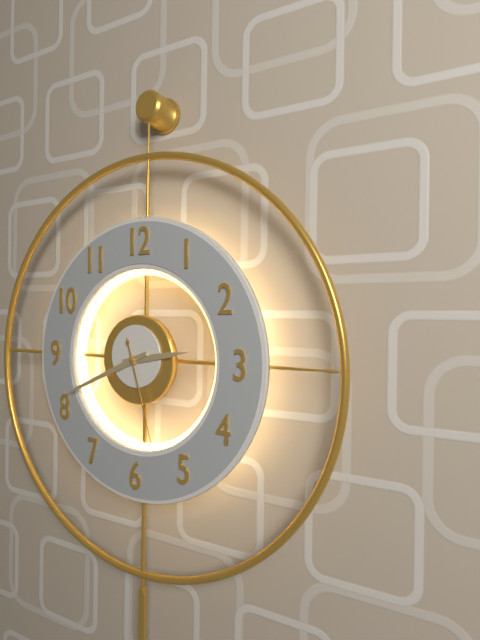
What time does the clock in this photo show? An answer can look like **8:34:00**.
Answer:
**2:41:27**
